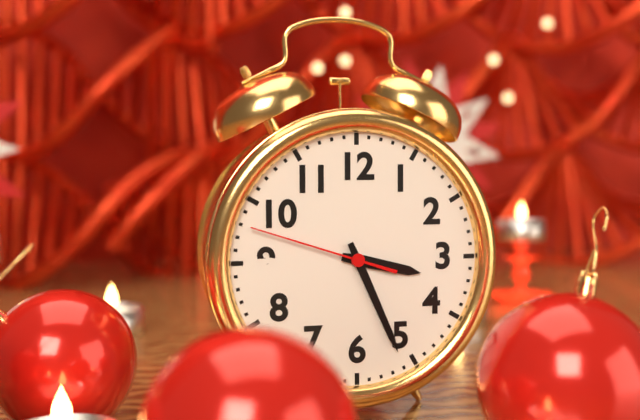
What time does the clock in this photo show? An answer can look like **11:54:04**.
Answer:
**3:26:48**
